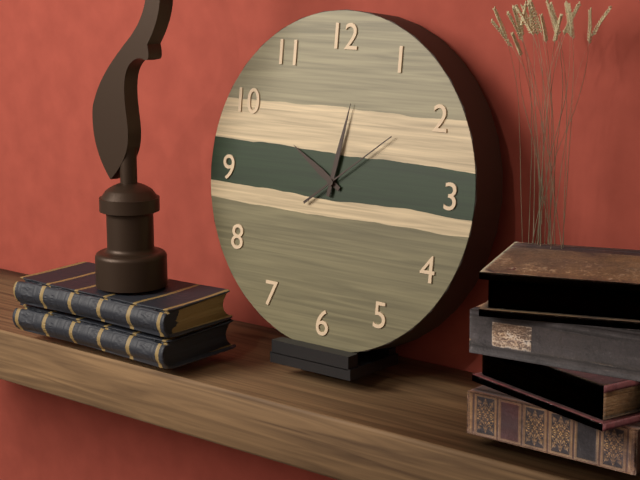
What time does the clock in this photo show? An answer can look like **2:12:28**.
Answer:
**10:02:09**
